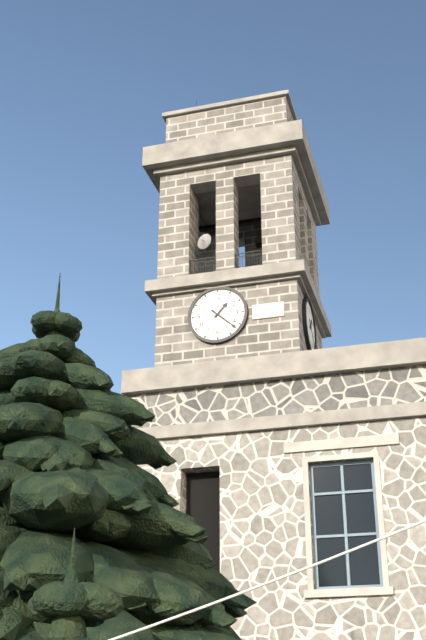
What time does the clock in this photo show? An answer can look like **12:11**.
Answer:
**1:22**
